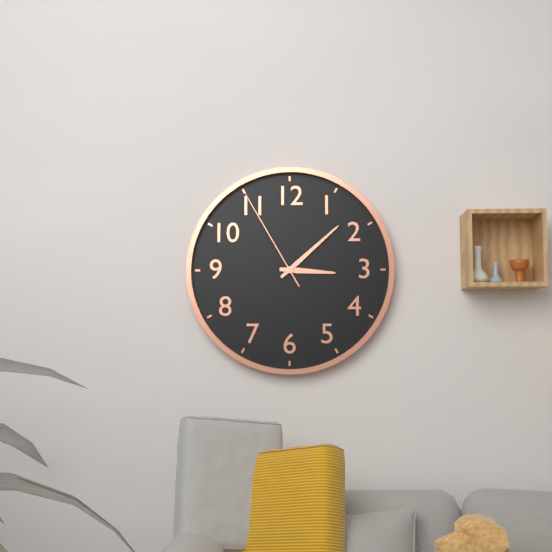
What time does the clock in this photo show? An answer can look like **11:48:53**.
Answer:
**3:08:55**
